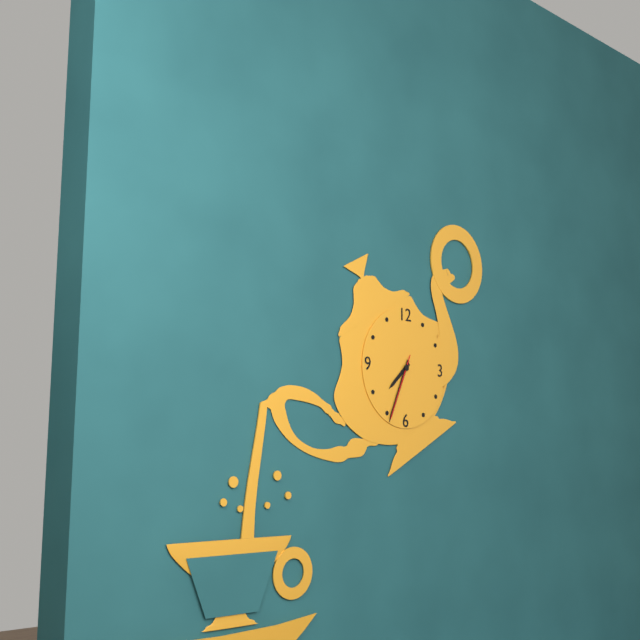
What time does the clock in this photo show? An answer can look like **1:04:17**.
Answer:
**7:34:34**
